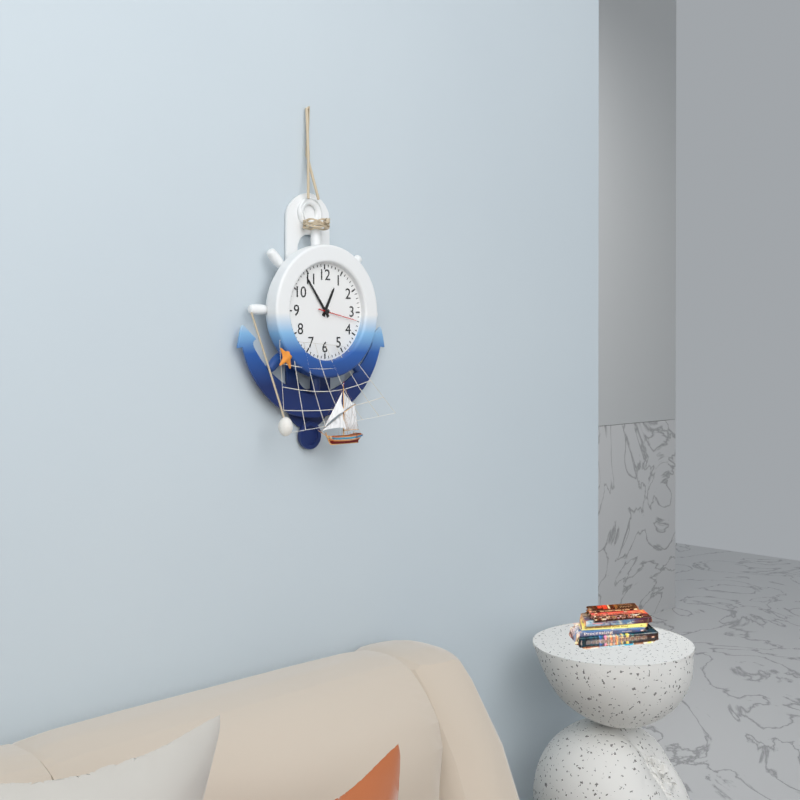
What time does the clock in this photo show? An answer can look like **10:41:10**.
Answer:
**12:54:17**
